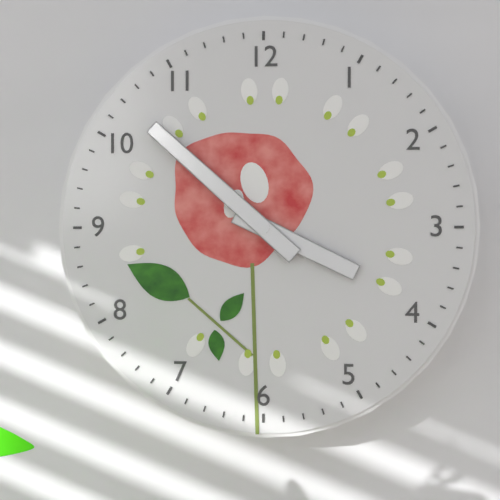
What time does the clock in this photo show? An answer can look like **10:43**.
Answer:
**3:52**
